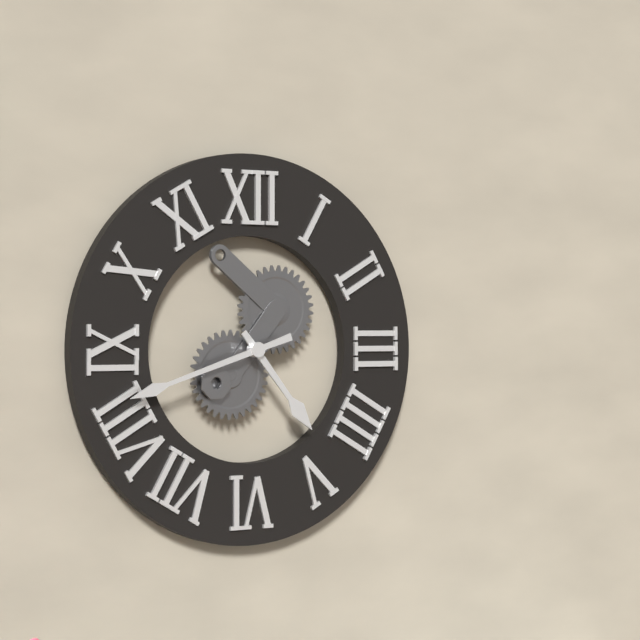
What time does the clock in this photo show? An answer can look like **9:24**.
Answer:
**4:42**
